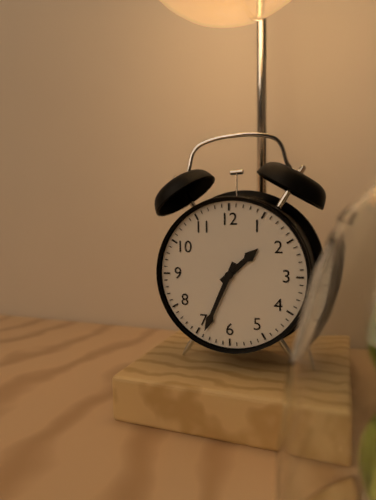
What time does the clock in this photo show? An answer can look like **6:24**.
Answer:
**1:34**
